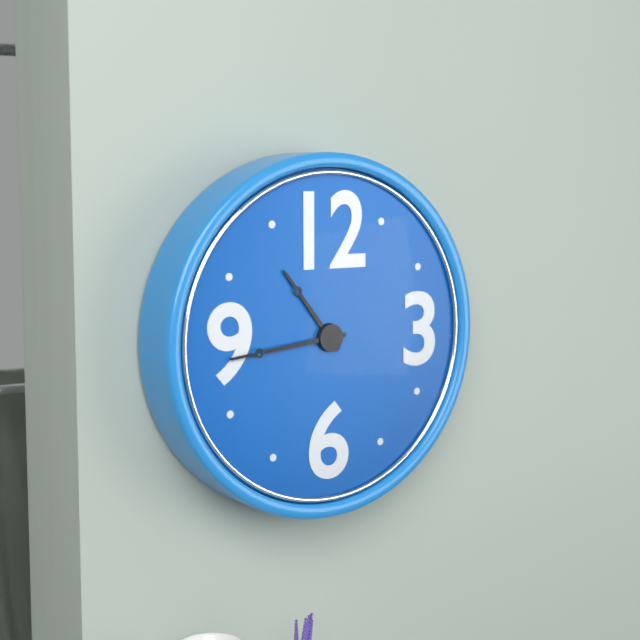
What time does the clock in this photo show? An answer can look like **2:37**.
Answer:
**10:44**
